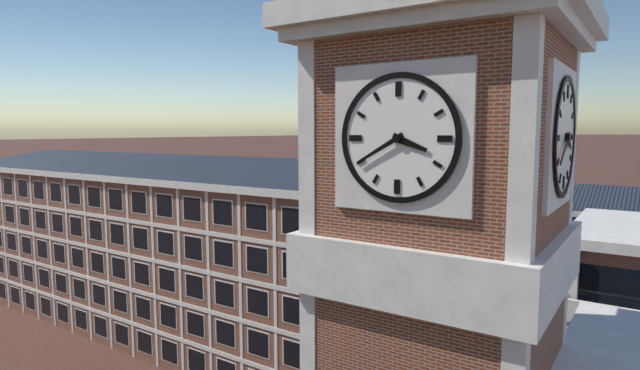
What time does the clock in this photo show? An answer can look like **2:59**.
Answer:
**3:40**
